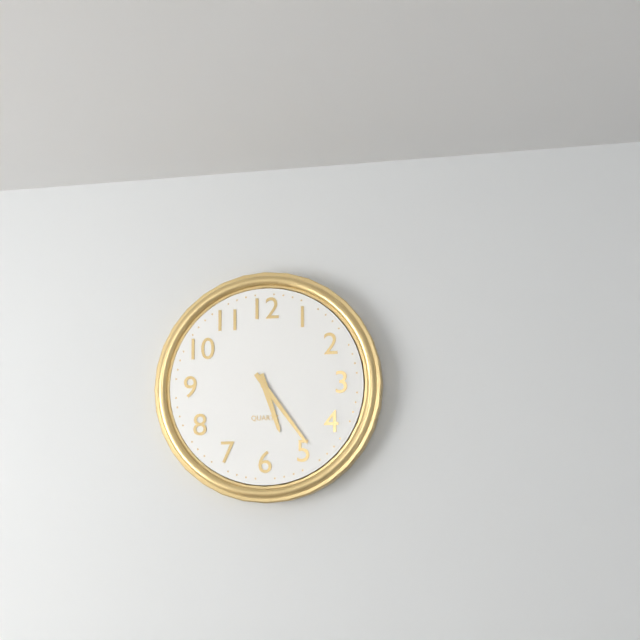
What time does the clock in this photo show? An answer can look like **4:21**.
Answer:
**5:24**
